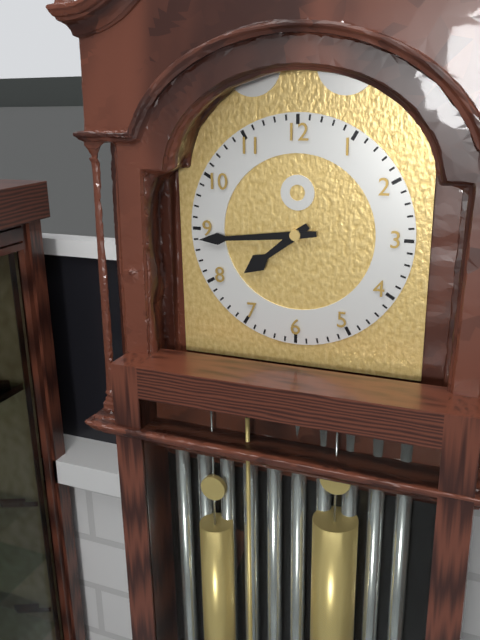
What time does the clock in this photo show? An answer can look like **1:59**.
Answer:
**7:44**
